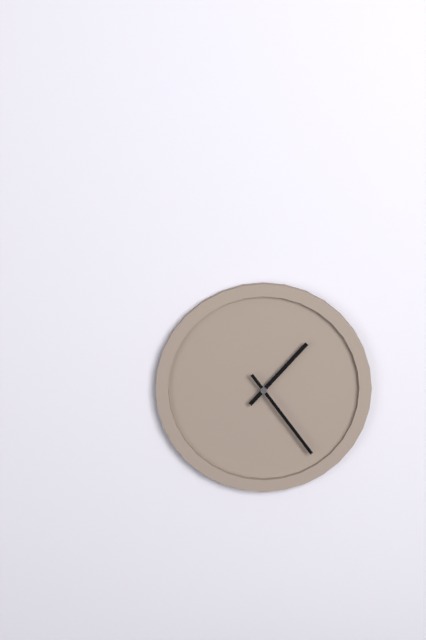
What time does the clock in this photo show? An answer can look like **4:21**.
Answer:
**1:24**
